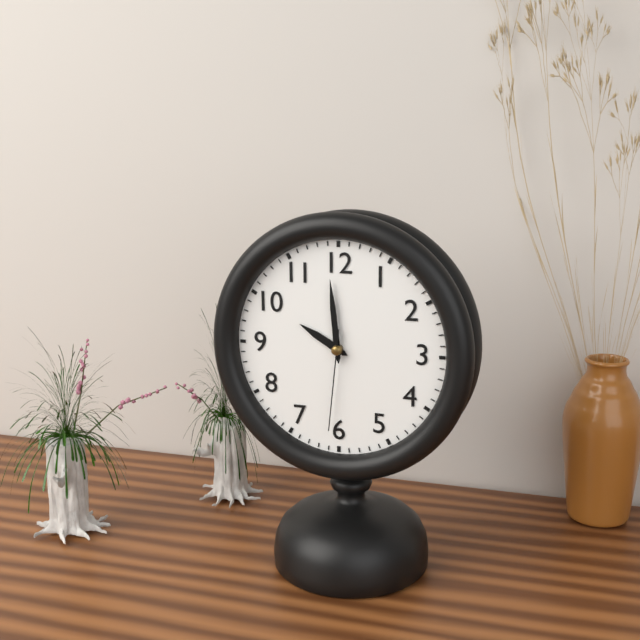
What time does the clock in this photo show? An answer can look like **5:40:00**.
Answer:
**9:59:31**
